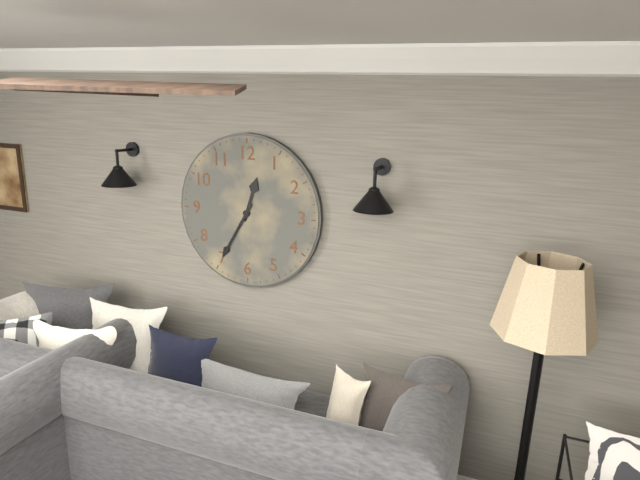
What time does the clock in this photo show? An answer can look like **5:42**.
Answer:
**12:35**
